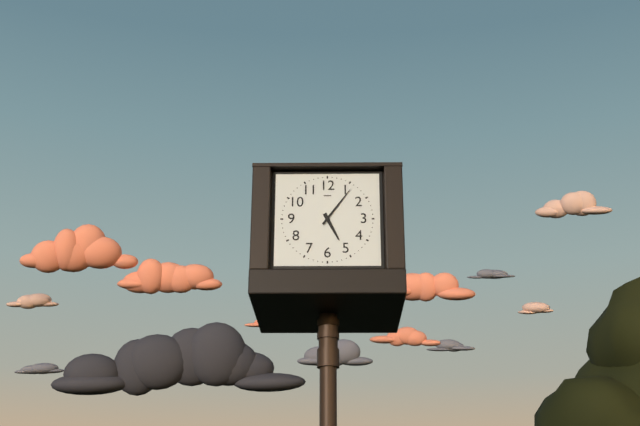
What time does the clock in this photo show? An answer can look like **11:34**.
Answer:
**5:06**
